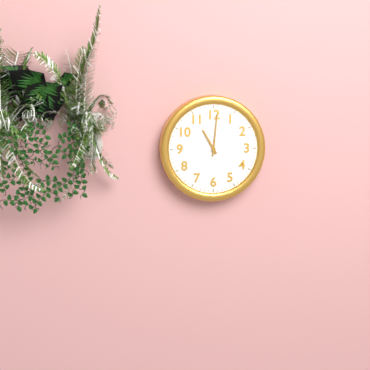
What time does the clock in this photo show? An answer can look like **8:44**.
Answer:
**11:01**
